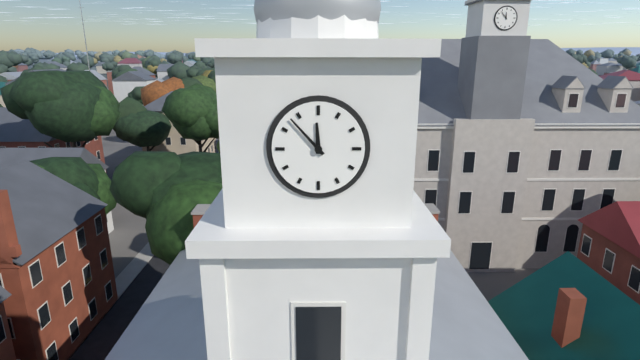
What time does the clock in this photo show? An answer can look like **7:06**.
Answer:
**11:53**
